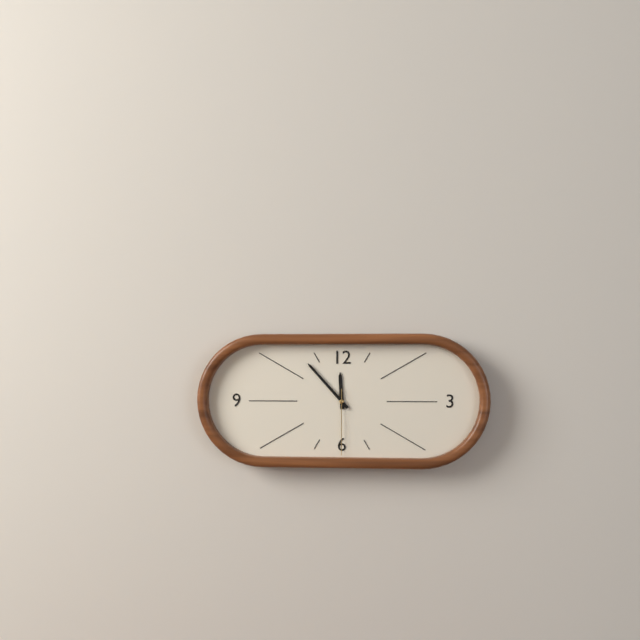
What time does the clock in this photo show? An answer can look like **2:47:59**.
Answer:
**11:53:30**
